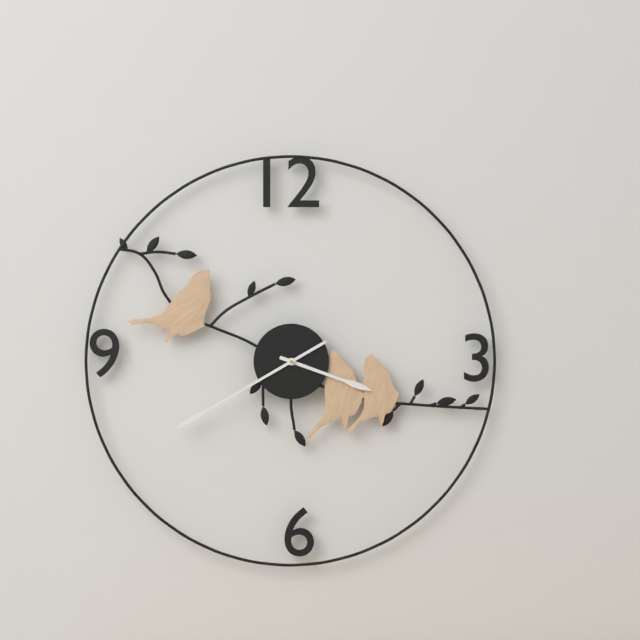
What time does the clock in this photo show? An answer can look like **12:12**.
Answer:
**3:40**
